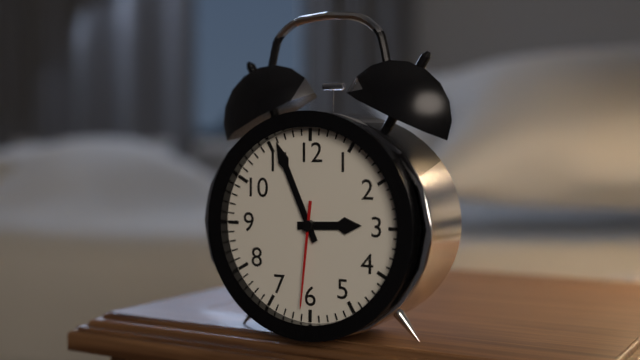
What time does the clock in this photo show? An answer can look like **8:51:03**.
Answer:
**2:56:31**
